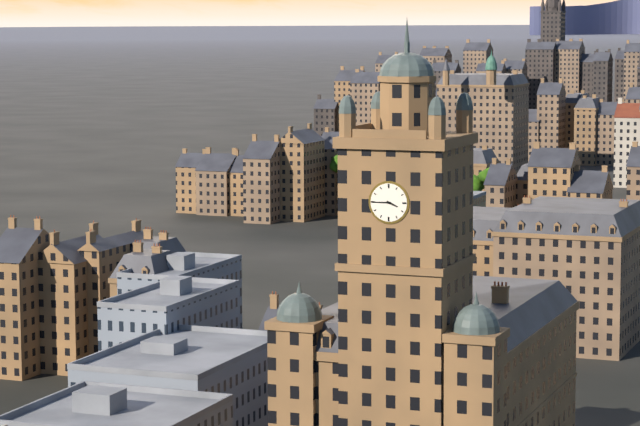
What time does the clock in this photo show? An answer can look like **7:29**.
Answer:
**3:45**
